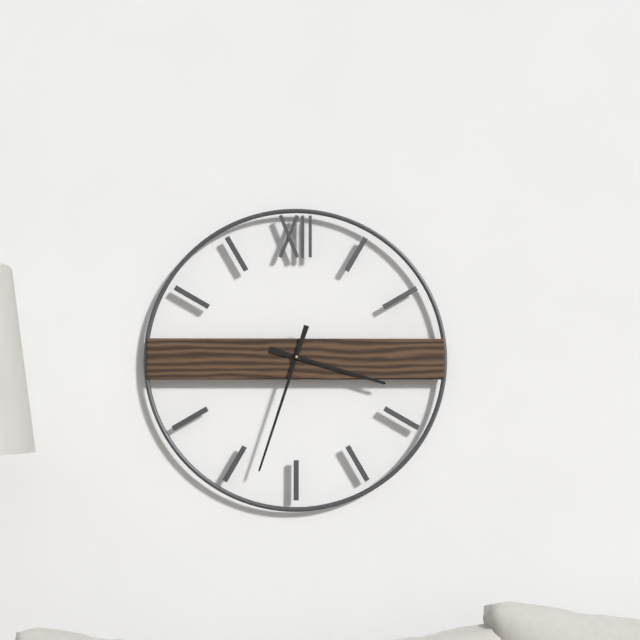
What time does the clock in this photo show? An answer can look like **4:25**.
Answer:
**3:33**
